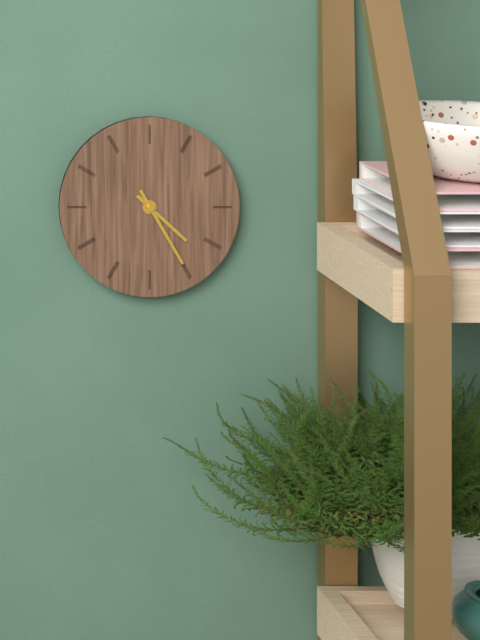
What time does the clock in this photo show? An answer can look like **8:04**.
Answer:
**4:25**
